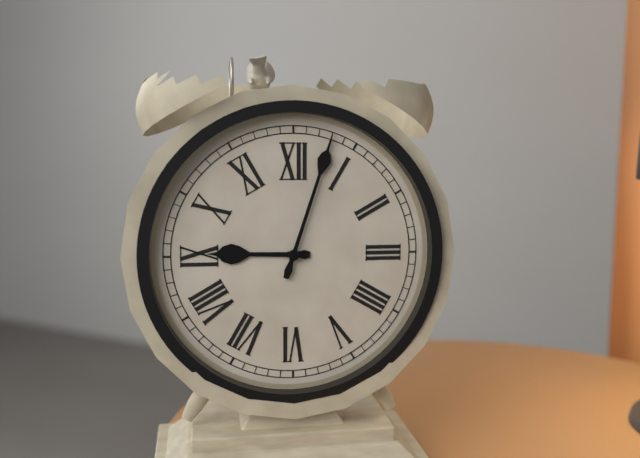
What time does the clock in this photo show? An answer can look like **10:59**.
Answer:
**9:03**
